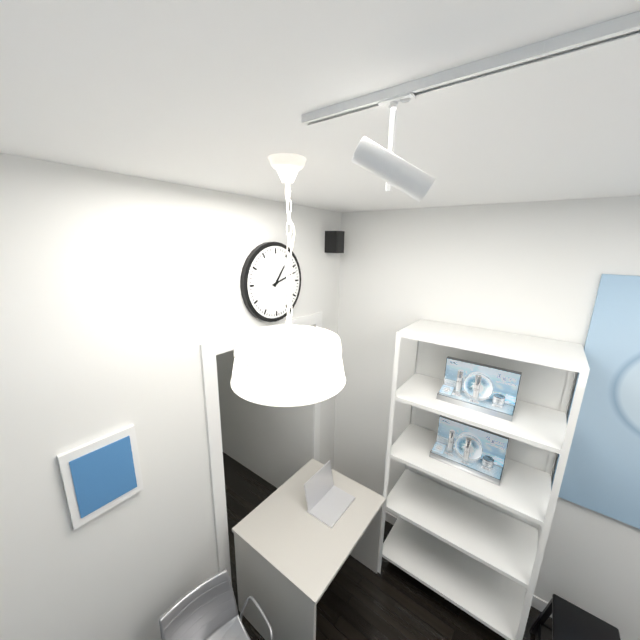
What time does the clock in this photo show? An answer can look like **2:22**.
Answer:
**1:12**
